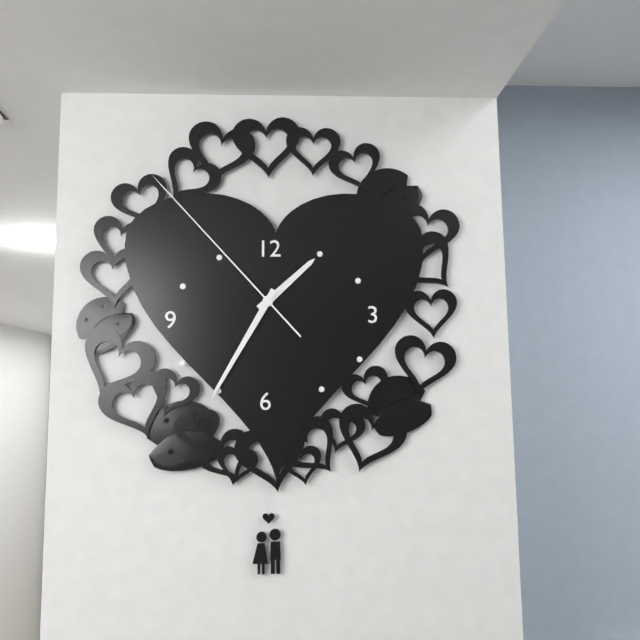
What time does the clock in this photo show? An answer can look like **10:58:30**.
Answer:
**1:35:53**
